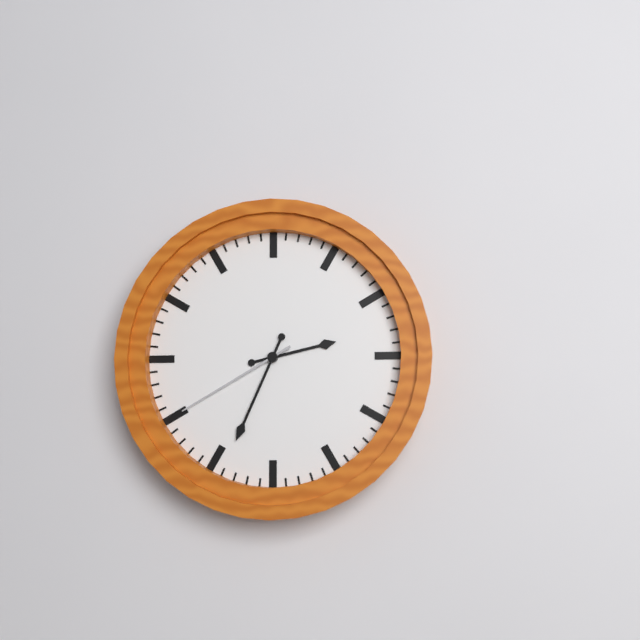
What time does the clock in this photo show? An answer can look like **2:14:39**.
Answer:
**2:34:40**
